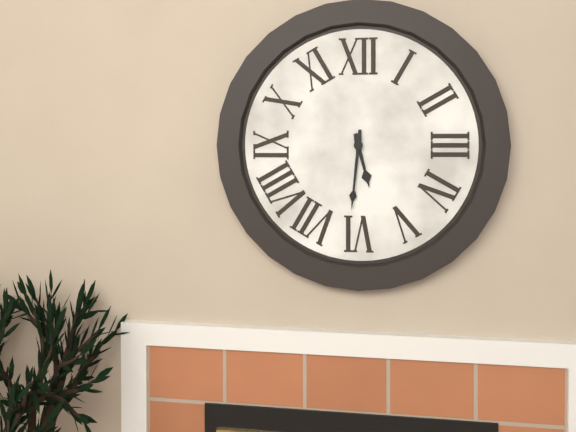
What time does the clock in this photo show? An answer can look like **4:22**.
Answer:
**5:31**
